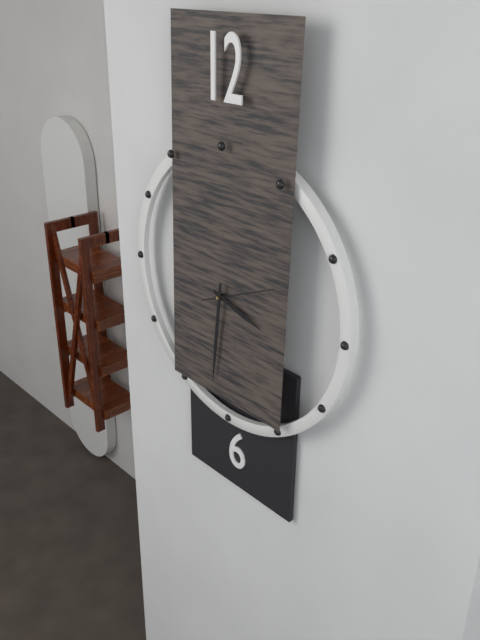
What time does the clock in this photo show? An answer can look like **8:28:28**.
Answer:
**3:31:11**
